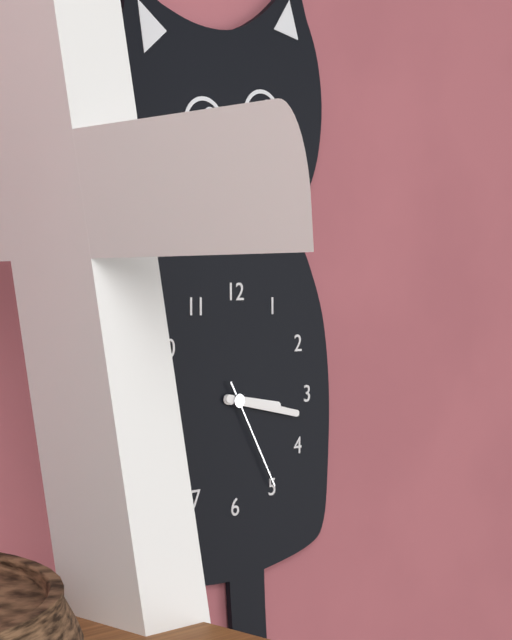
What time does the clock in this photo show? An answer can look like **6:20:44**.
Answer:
**3:17:25**
